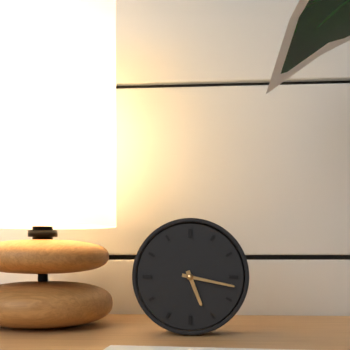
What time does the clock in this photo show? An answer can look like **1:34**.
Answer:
**5:17**
